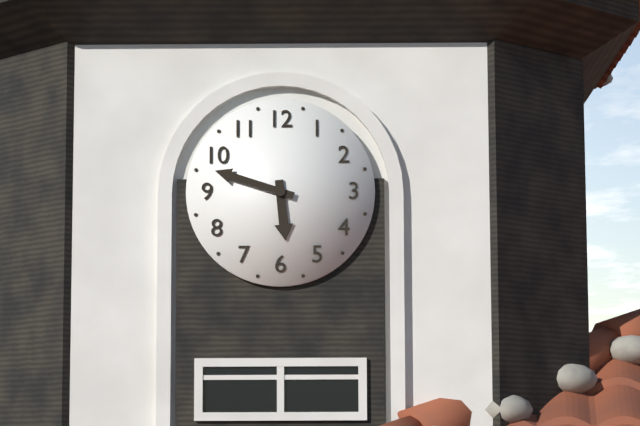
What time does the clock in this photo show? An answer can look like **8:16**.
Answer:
**5:48**
